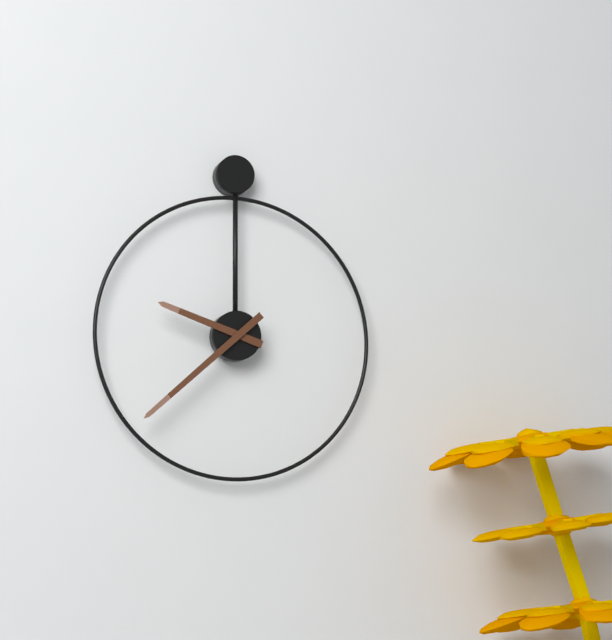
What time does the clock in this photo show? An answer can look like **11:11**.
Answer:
**9:38**
